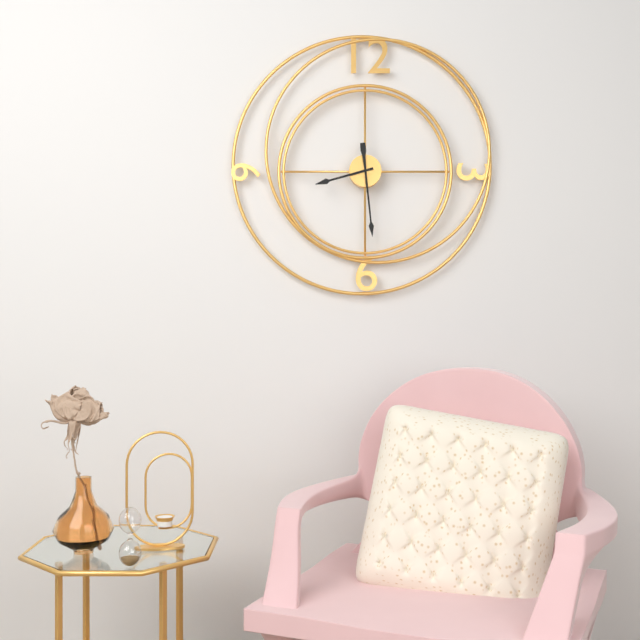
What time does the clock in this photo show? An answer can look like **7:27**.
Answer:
**8:29**
